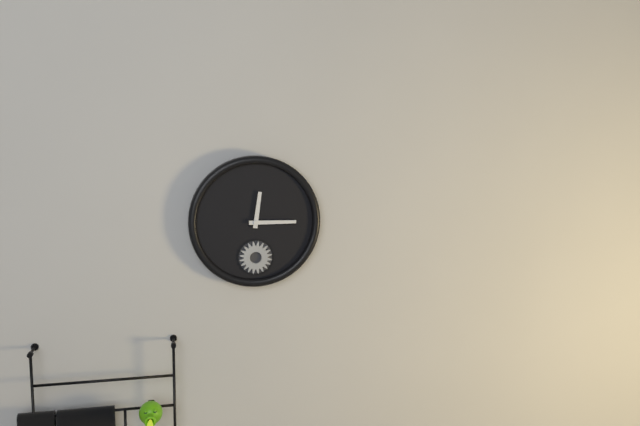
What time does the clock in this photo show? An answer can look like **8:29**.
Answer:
**12:15**
